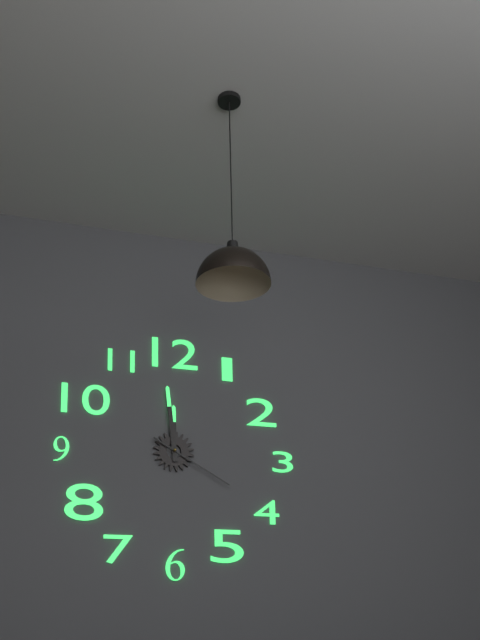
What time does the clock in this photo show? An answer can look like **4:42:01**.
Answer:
**11:59:20**
